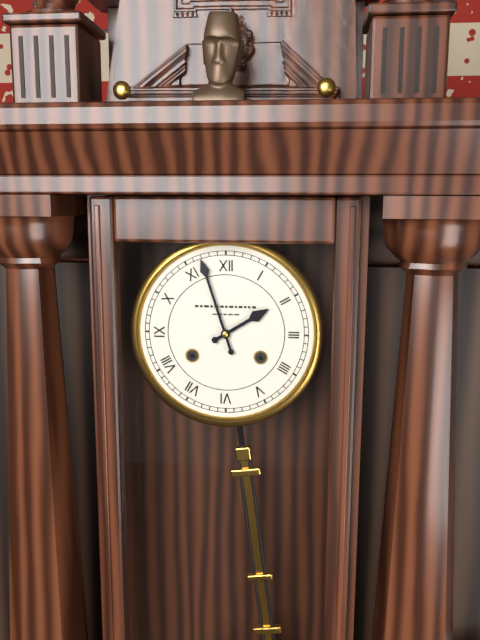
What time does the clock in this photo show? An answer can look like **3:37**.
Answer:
**1:57**
